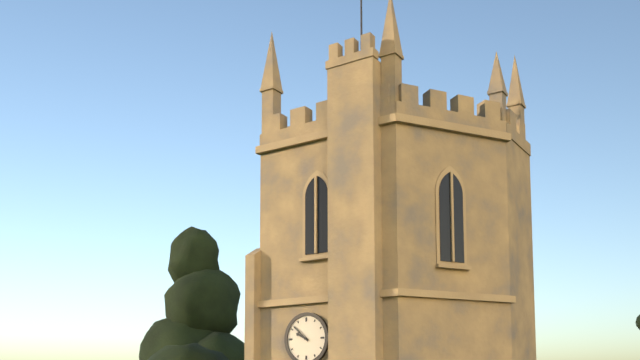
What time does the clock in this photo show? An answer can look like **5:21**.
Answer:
**9:52**
